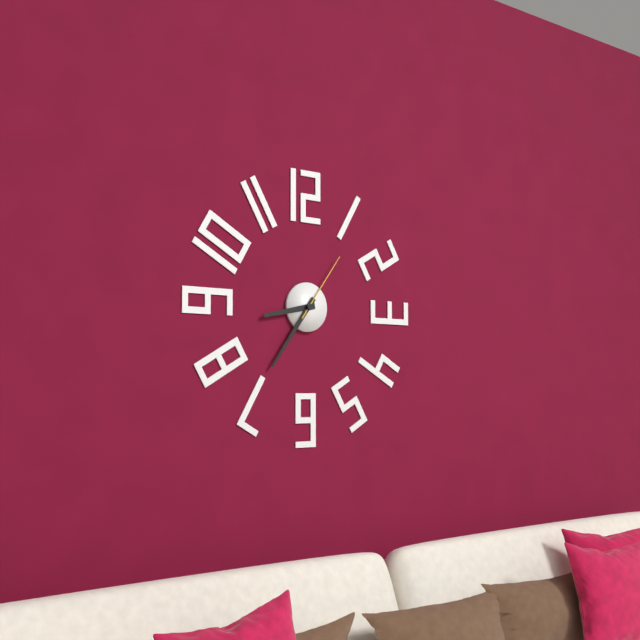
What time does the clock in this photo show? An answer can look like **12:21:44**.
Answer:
**8:36:06**
